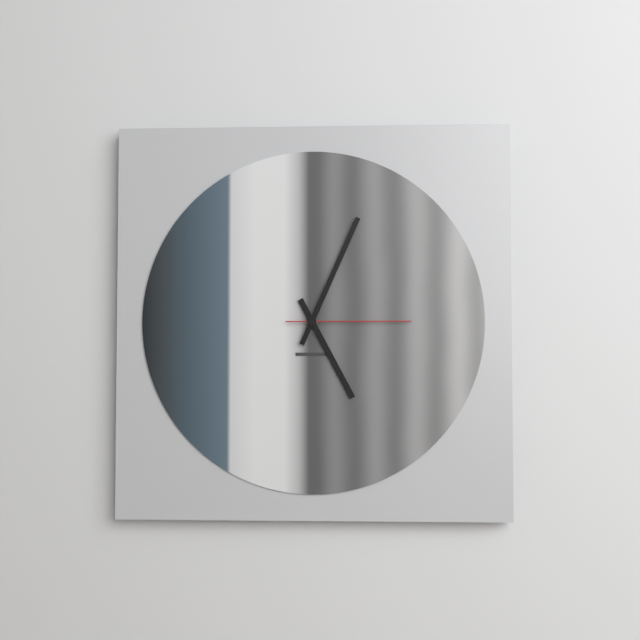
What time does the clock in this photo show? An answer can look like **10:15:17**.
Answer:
**5:04:15**
